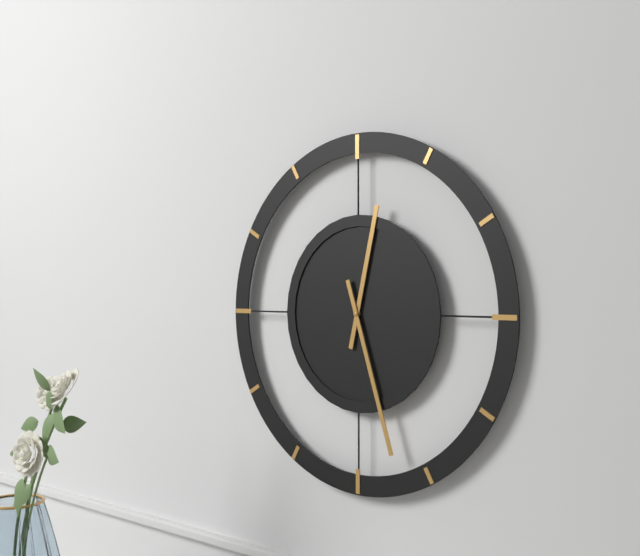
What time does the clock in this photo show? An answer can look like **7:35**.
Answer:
**12:27**
